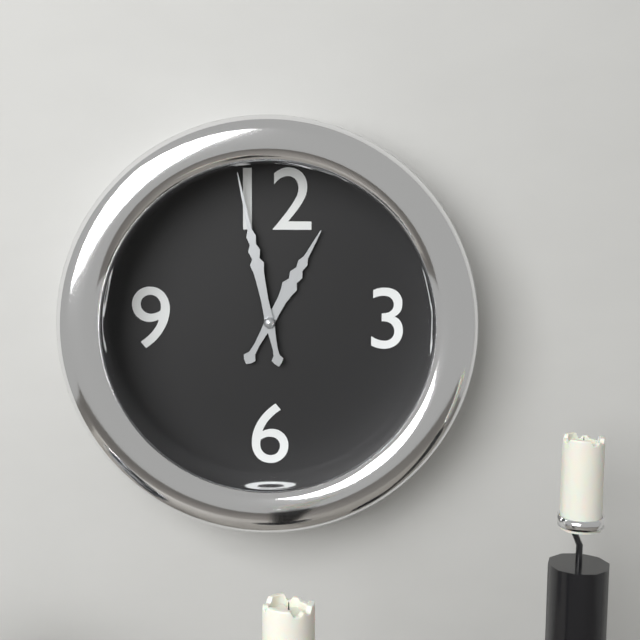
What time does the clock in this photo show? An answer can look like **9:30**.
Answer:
**12:58**
